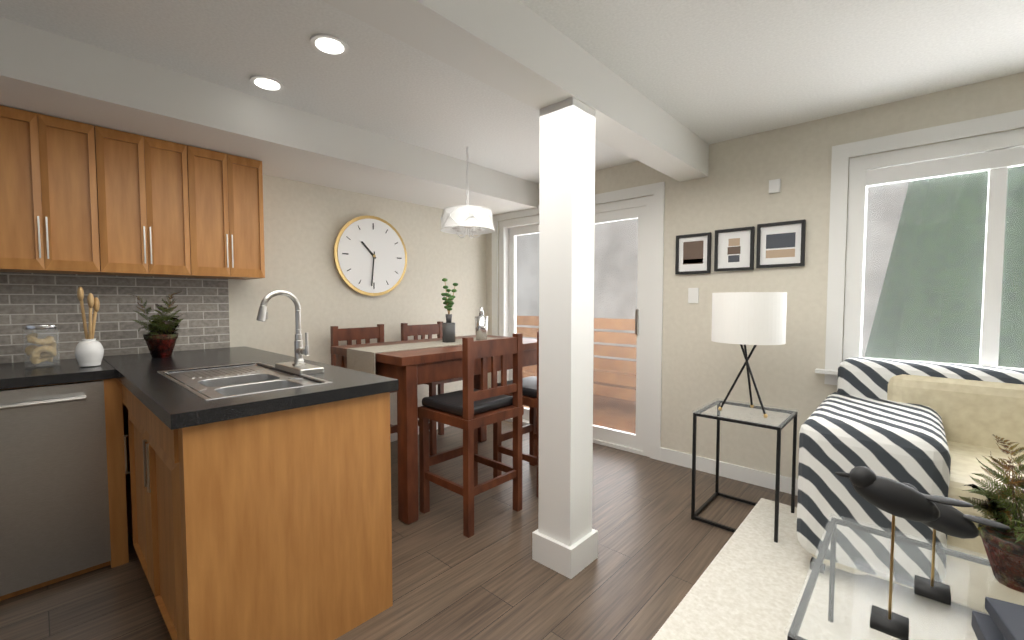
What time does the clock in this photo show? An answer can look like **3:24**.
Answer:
**10:31**
